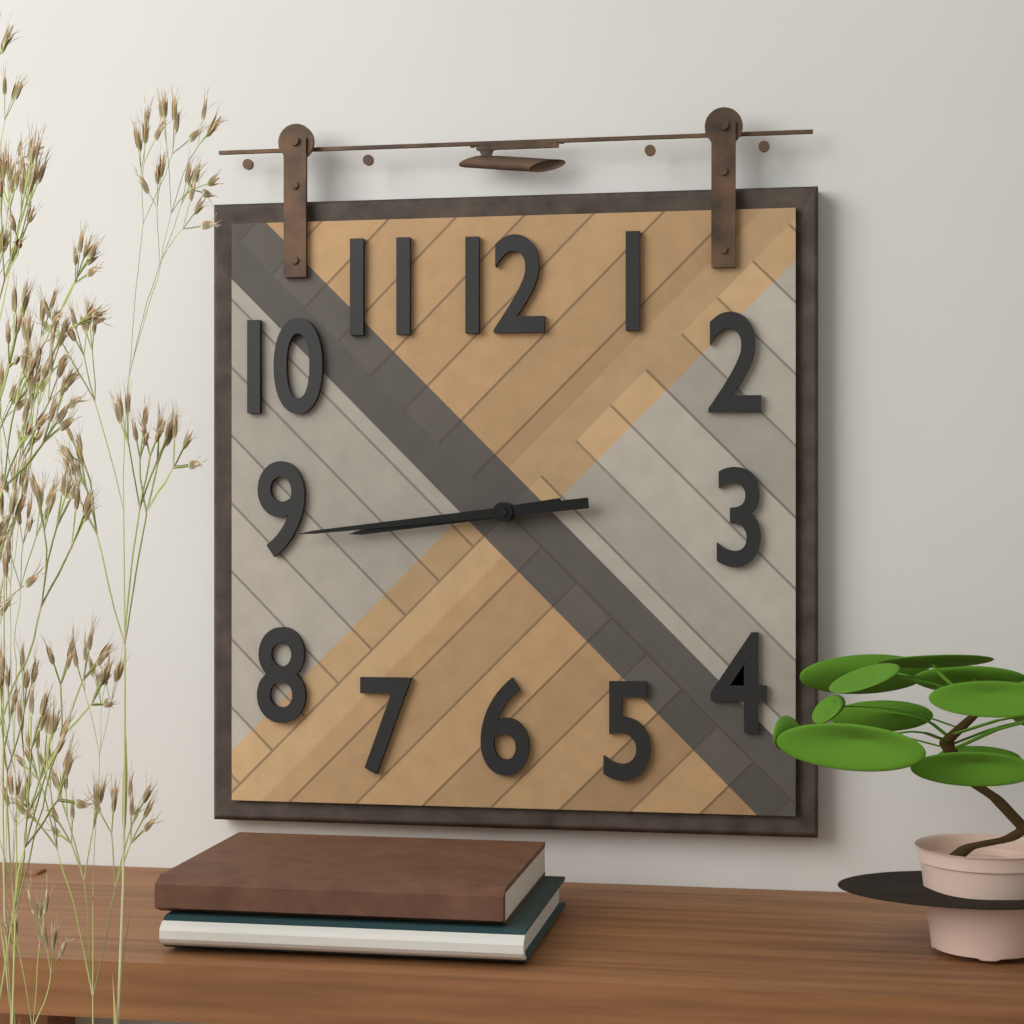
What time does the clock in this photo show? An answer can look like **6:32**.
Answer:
**8:44**
